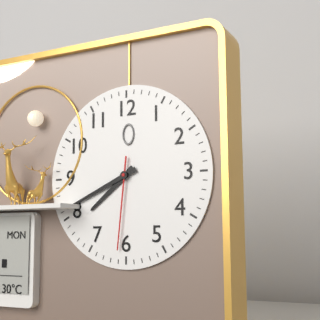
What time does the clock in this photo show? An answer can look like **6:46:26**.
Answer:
**7:41:31**
